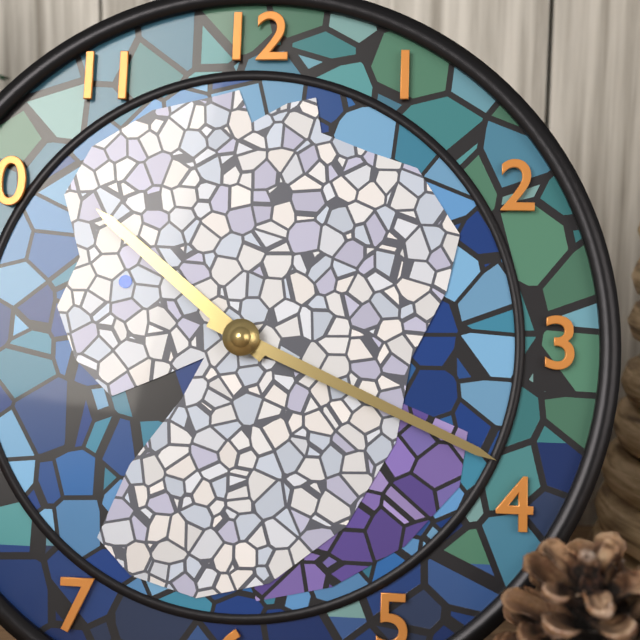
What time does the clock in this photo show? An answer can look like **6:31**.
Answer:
**10:19**
